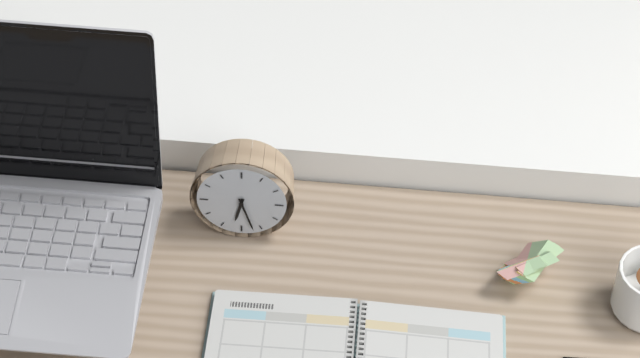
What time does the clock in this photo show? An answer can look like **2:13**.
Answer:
**6:27**
